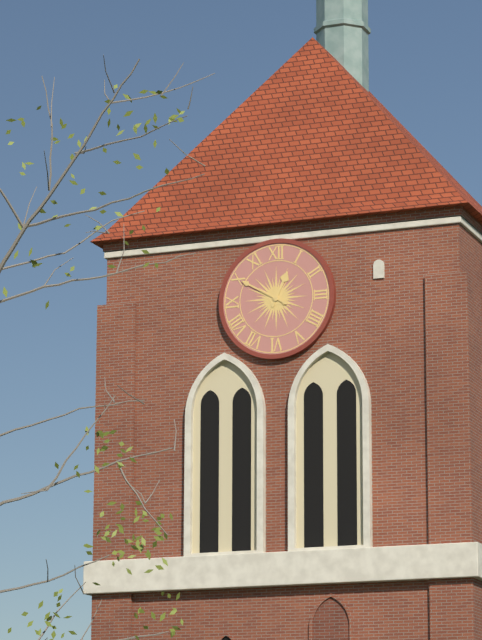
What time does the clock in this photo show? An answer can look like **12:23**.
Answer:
**12:50**
